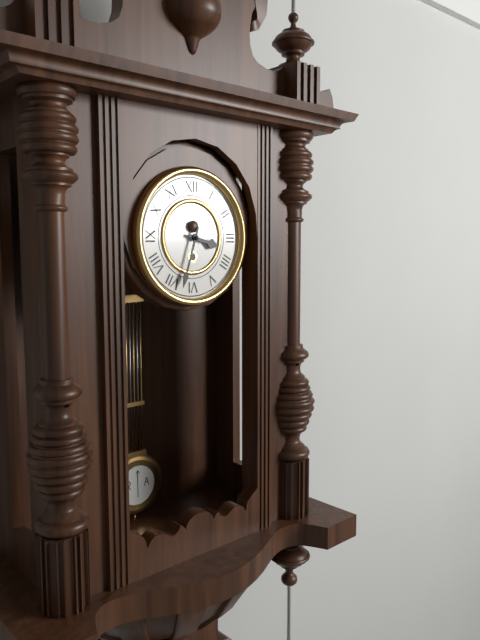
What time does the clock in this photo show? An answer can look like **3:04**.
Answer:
**3:33**
